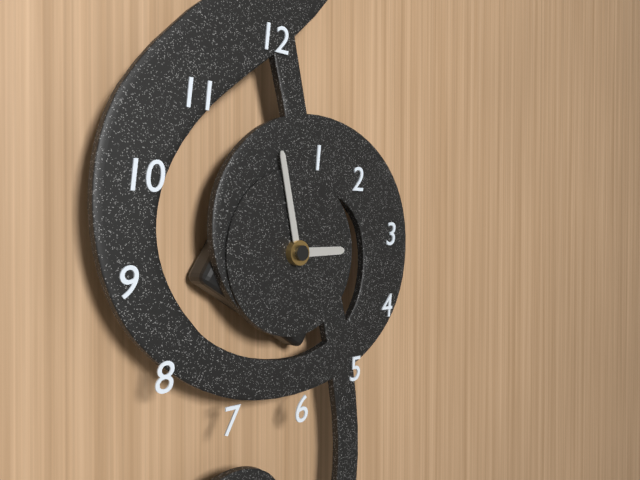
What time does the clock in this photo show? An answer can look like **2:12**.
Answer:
**2:58**
